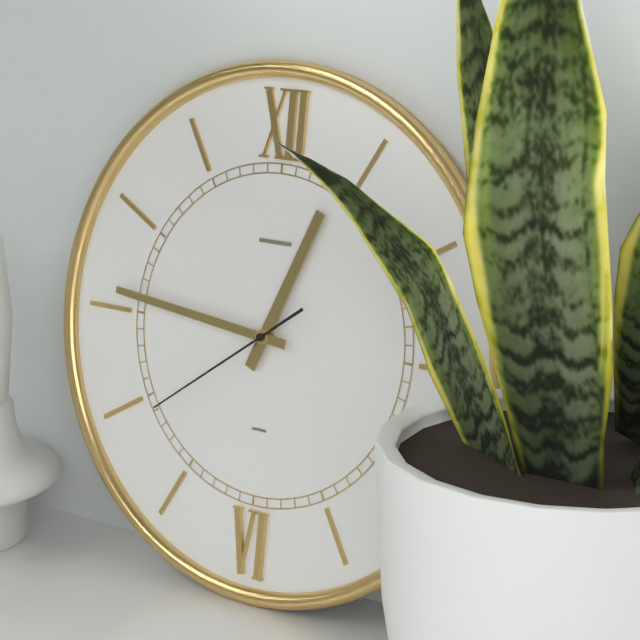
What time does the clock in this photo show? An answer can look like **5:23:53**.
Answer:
**12:46:39**
